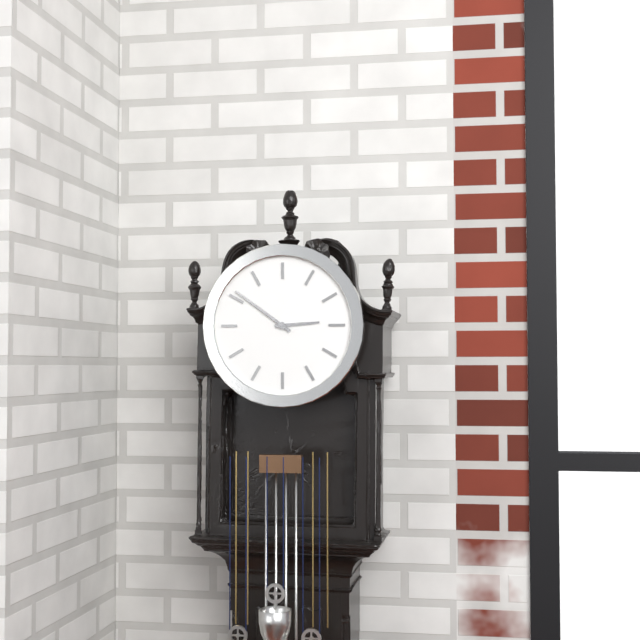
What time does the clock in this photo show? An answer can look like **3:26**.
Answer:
**2:51**
